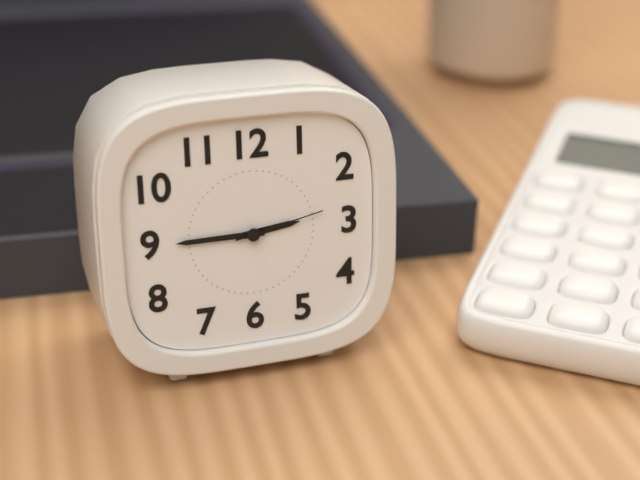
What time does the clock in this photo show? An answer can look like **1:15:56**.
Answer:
**2:45:13**
